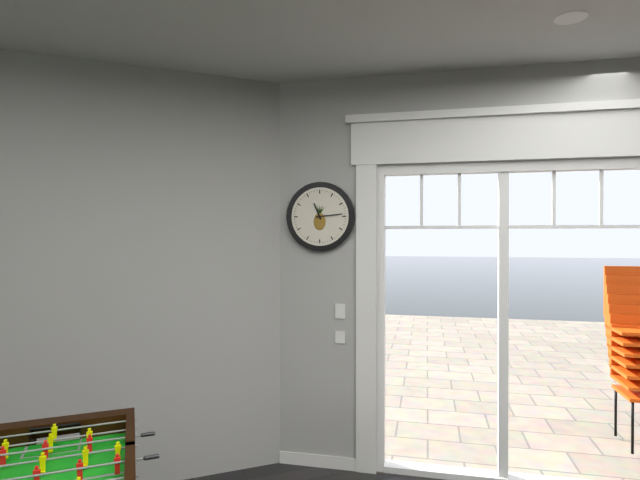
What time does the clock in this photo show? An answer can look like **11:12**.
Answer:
**11:14**
